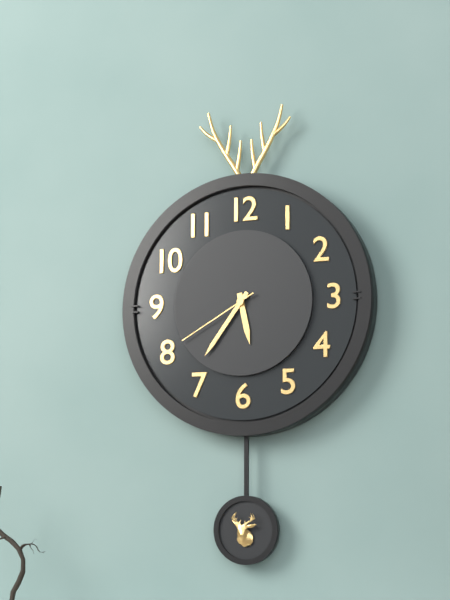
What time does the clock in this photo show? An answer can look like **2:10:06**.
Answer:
**5:36:40**
